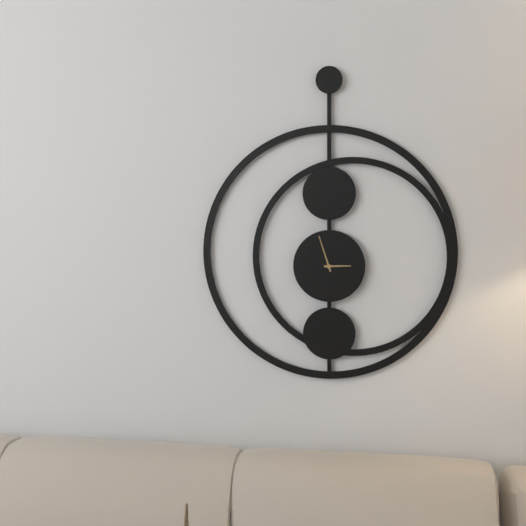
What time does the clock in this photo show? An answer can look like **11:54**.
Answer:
**2:57**
